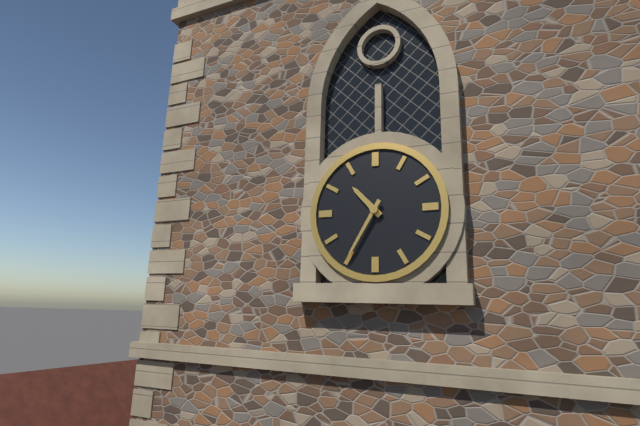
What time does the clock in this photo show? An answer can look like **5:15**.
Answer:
**10:35**
